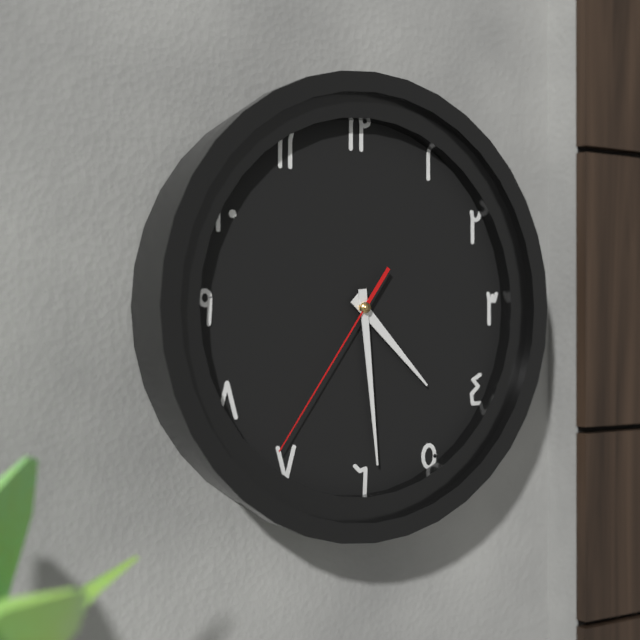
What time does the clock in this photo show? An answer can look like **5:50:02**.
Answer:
**4:29:36**
